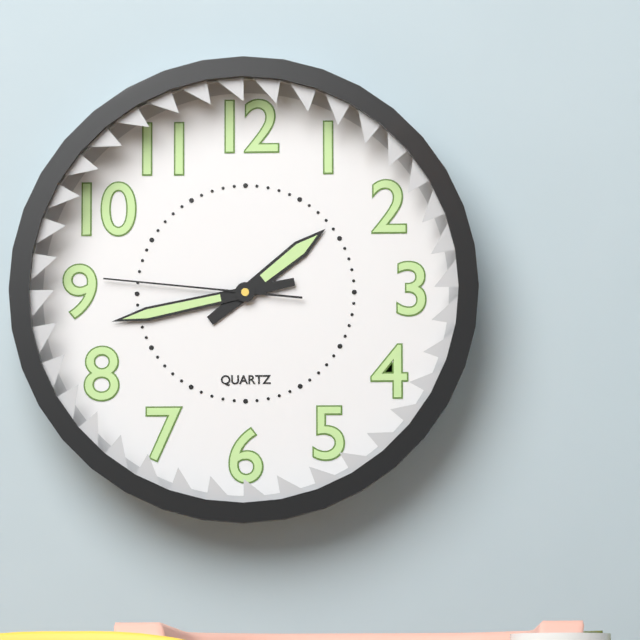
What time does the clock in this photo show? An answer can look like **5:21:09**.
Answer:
**1:43:46**
